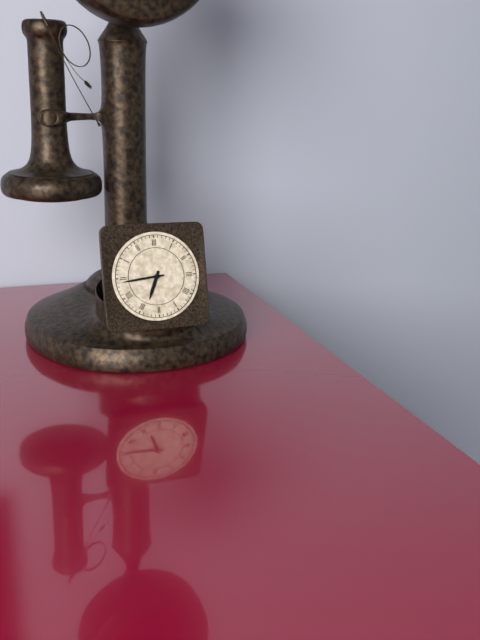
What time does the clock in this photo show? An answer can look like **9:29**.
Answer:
**6:44**
